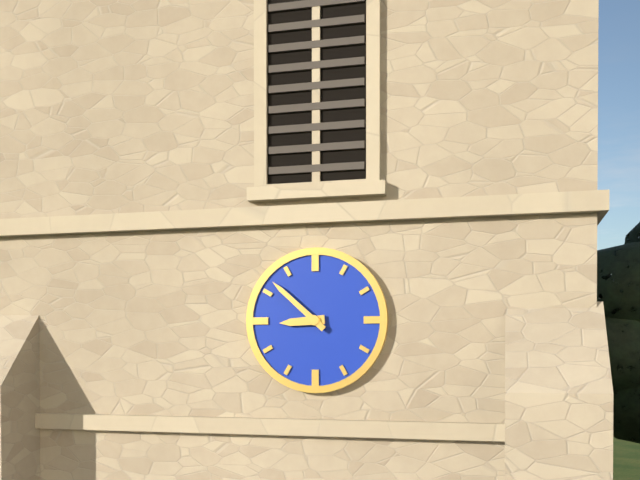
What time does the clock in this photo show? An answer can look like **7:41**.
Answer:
**8:52**
